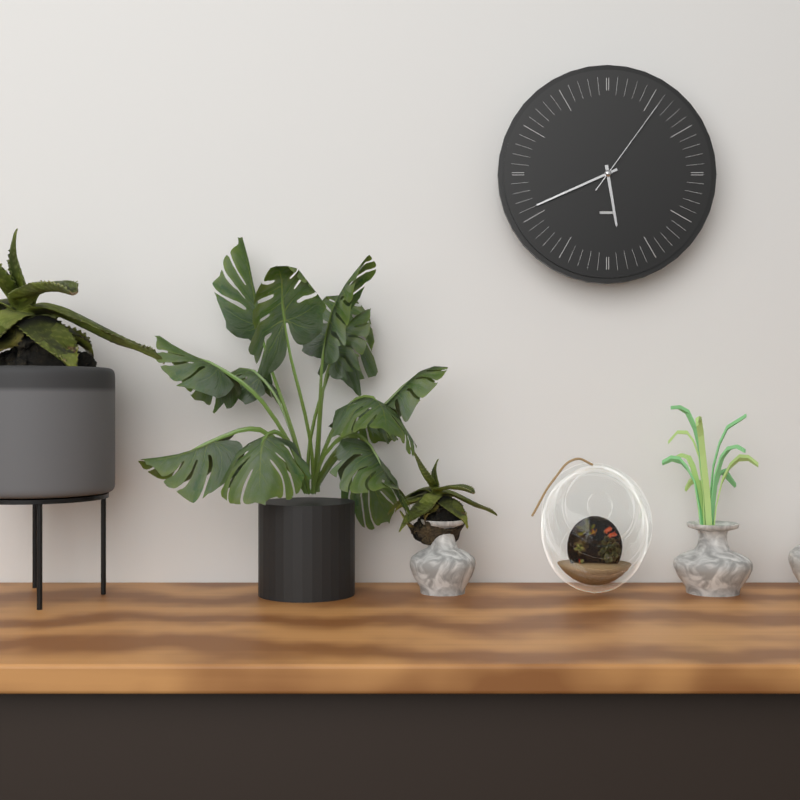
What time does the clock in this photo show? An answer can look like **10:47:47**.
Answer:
**5:41:06**
